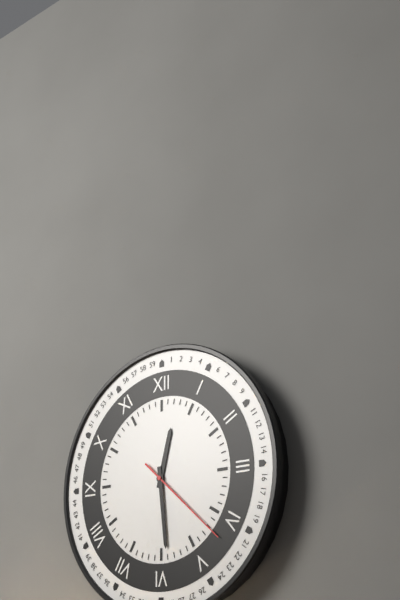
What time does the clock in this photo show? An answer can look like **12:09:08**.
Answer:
**12:29:22**
